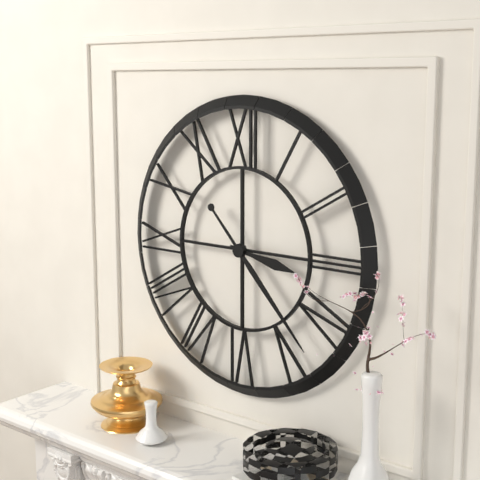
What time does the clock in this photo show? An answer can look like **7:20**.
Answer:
**3:23**
